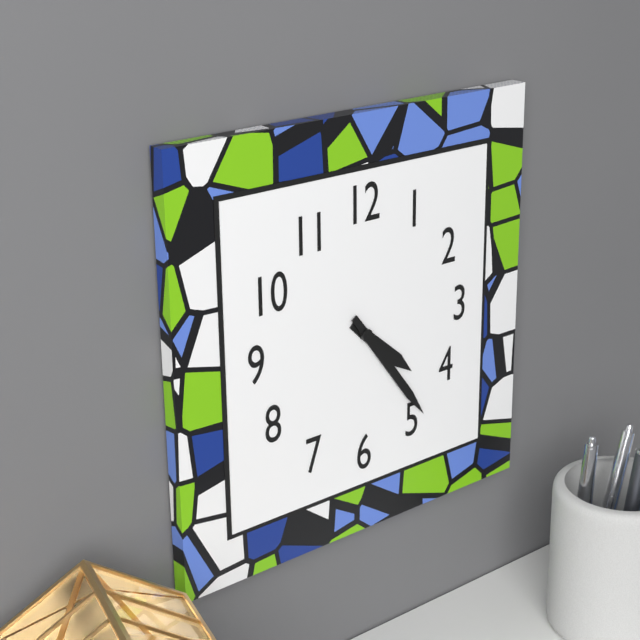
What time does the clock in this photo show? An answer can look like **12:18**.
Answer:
**4:24**
